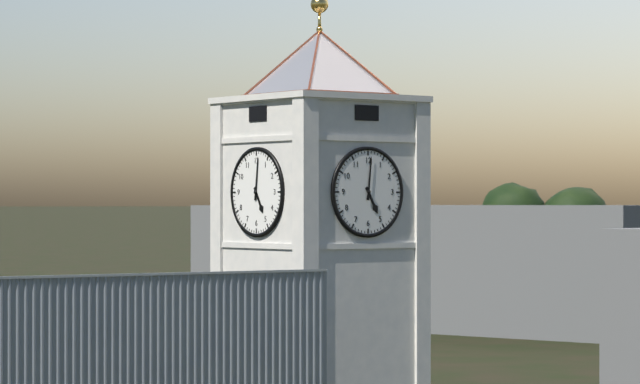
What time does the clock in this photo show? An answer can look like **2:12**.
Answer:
**5:01**
